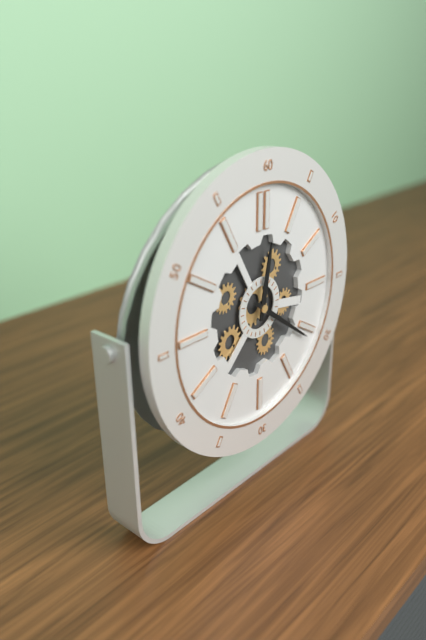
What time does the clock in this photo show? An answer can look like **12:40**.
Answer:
**12:21**
